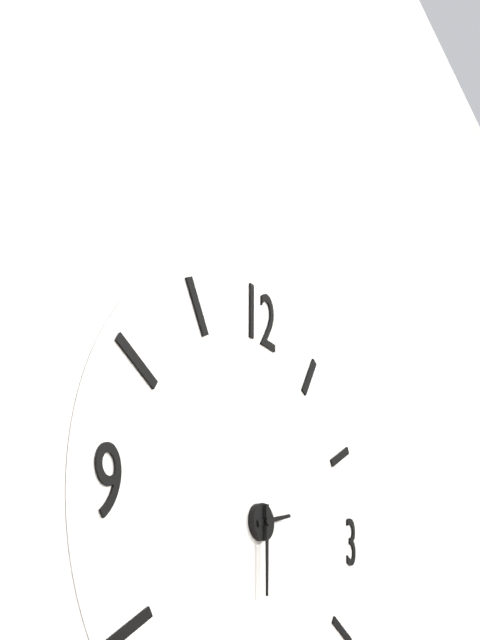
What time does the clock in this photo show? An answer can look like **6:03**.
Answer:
**2:30**
